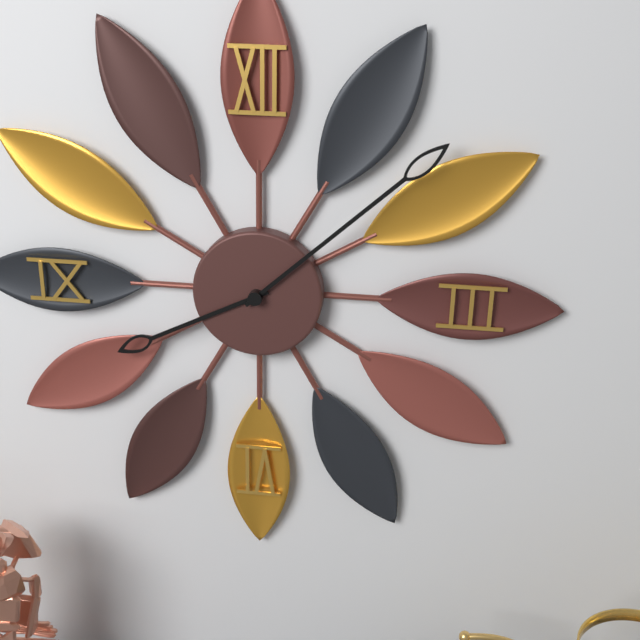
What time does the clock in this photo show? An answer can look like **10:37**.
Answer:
**8:08**
